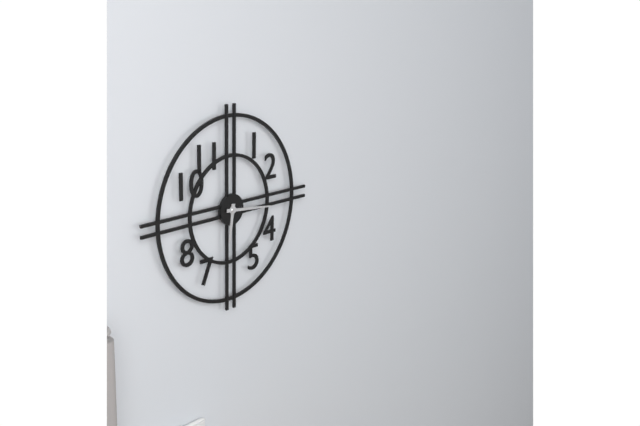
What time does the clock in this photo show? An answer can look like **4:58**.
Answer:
**6:16**
